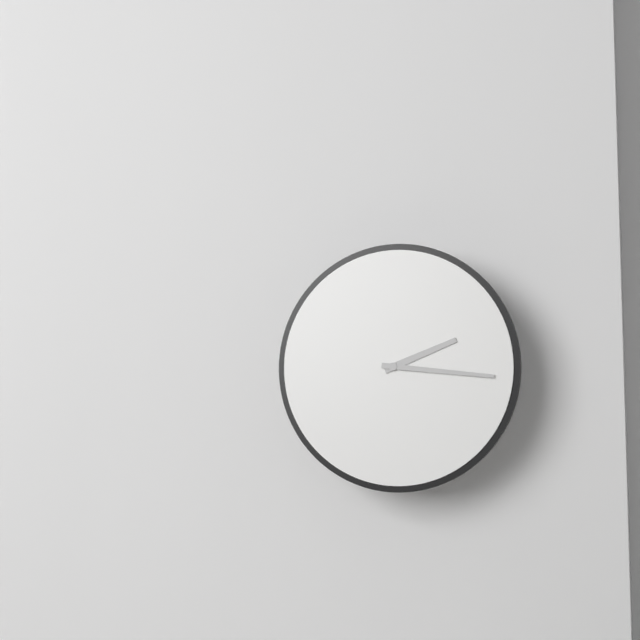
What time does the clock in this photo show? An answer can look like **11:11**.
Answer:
**2:16**
